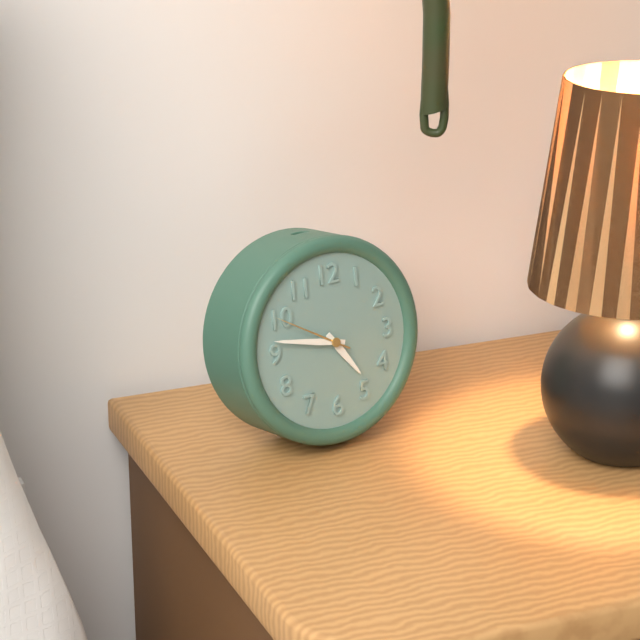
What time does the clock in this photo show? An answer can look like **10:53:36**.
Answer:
**4:47:50**
